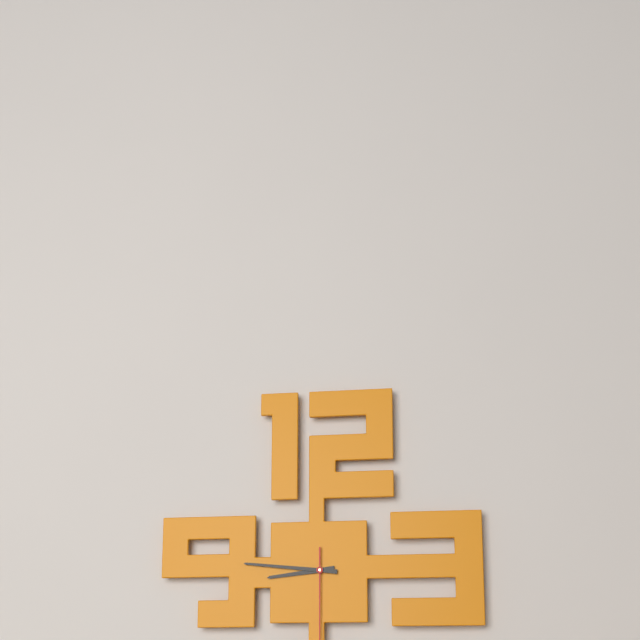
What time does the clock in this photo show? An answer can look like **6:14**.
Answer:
**8:46**
